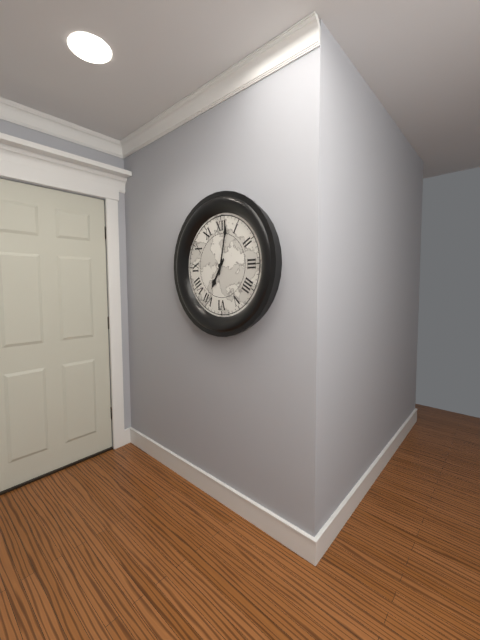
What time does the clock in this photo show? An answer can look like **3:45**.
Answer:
**7:02**
